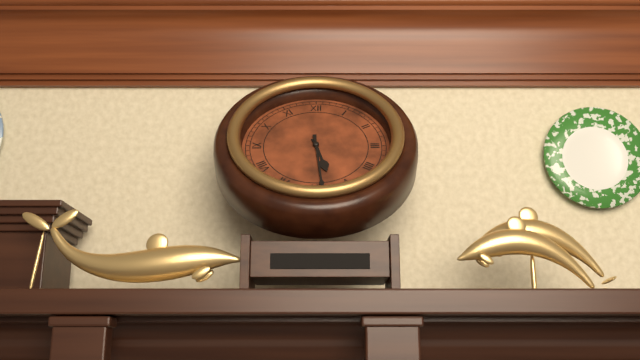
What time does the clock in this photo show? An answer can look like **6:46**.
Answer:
**5:29**
